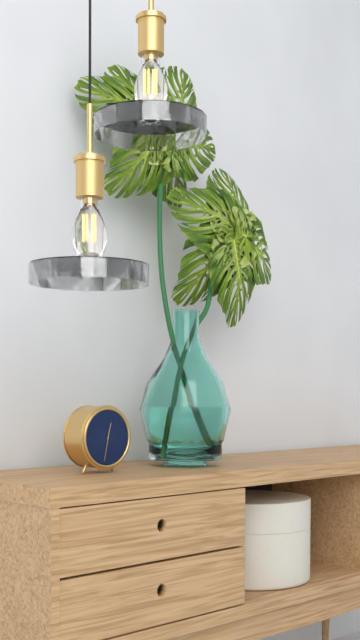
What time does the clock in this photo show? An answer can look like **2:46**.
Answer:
**12:32**
